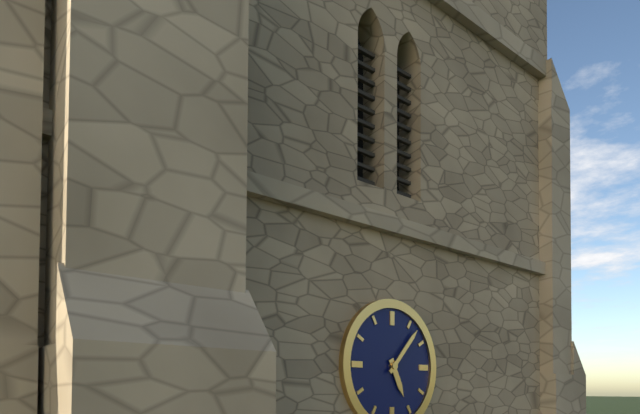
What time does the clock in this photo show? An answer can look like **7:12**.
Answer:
**5:07**
